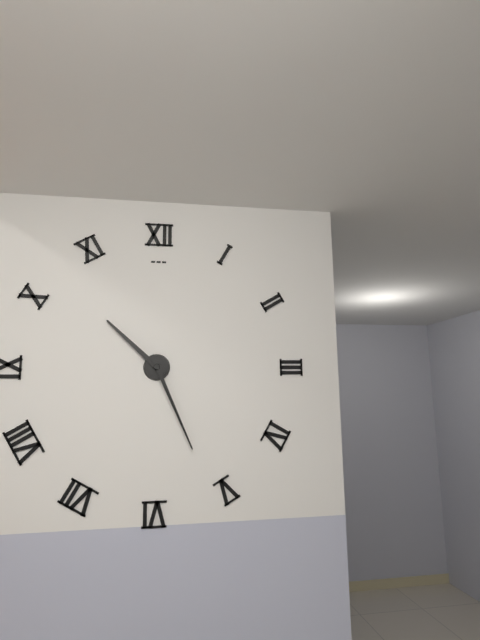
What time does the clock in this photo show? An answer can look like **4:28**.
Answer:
**10:26**
